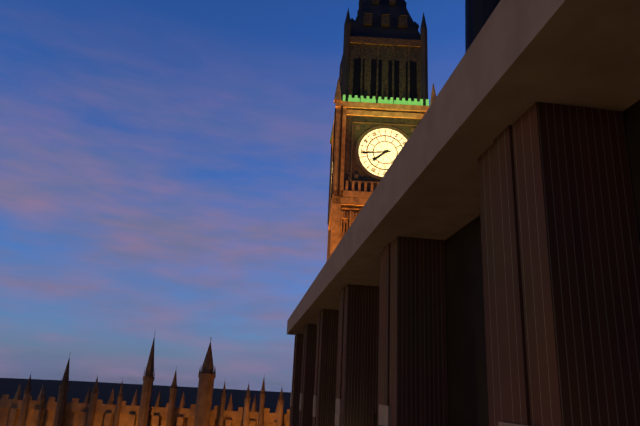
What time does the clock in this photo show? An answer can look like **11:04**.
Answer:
**7:44**
